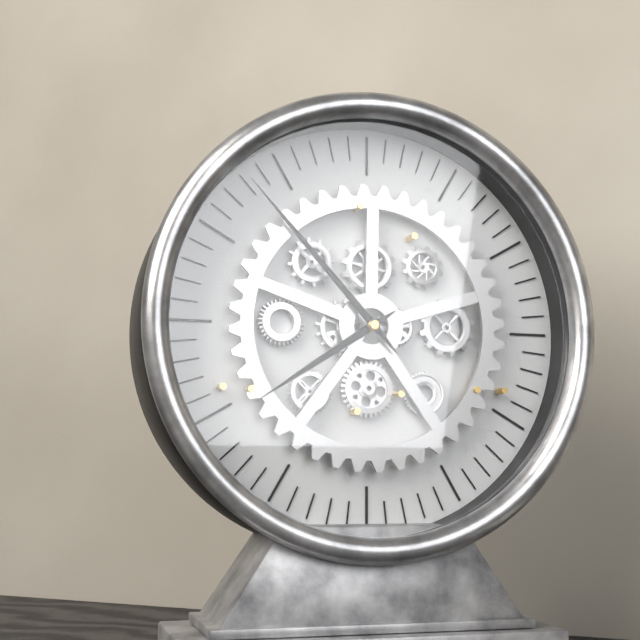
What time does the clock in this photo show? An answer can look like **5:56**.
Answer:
**7:53**
